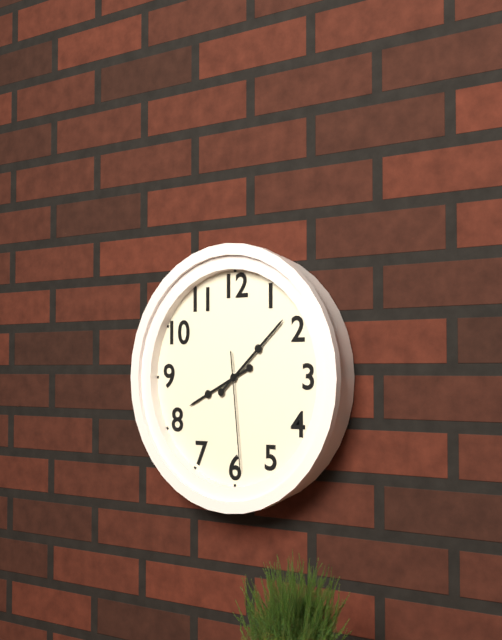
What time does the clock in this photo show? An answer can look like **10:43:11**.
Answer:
**8:08:29**
